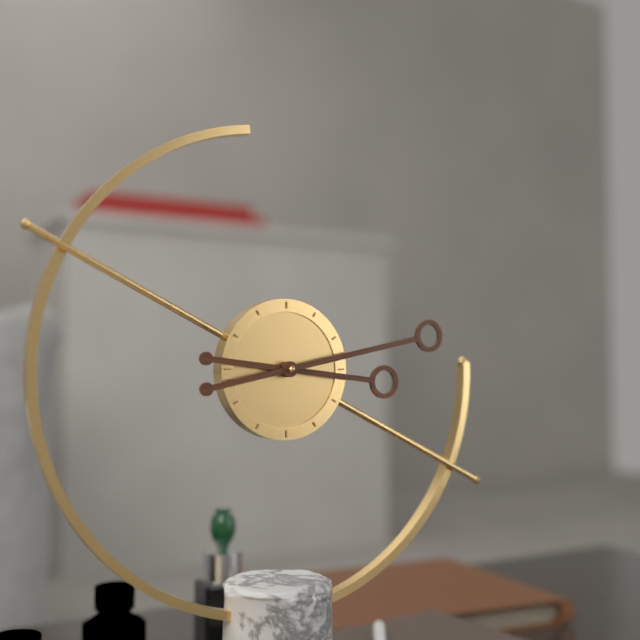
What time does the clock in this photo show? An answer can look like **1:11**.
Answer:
**3:13**
